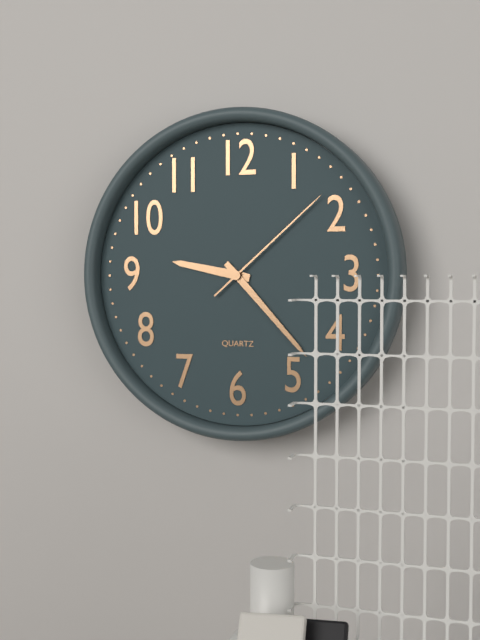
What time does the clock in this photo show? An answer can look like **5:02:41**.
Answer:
**9:23:08**
